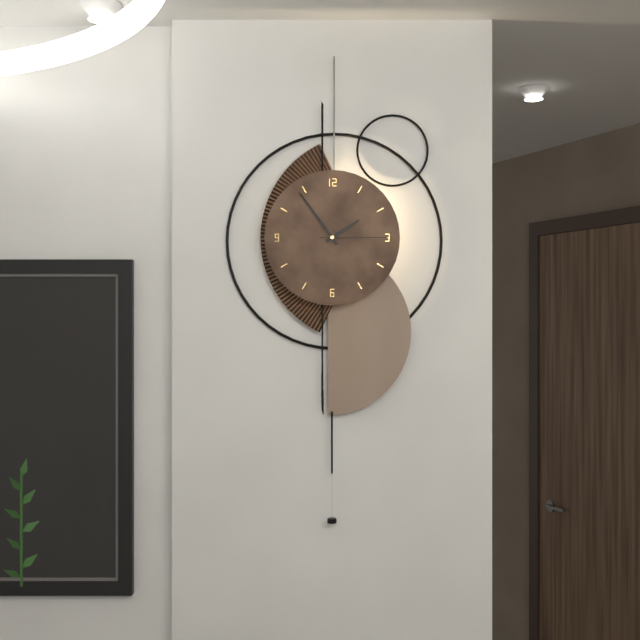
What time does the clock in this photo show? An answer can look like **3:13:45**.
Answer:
**1:54:15**
